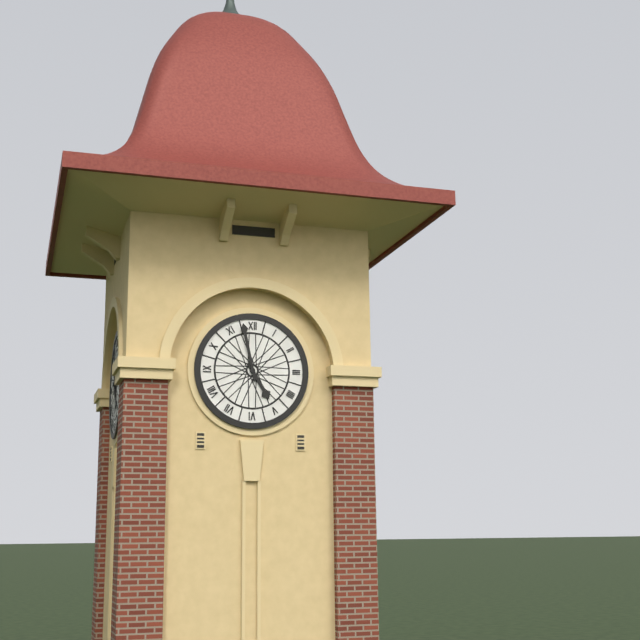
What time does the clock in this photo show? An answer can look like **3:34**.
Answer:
**4:58**
